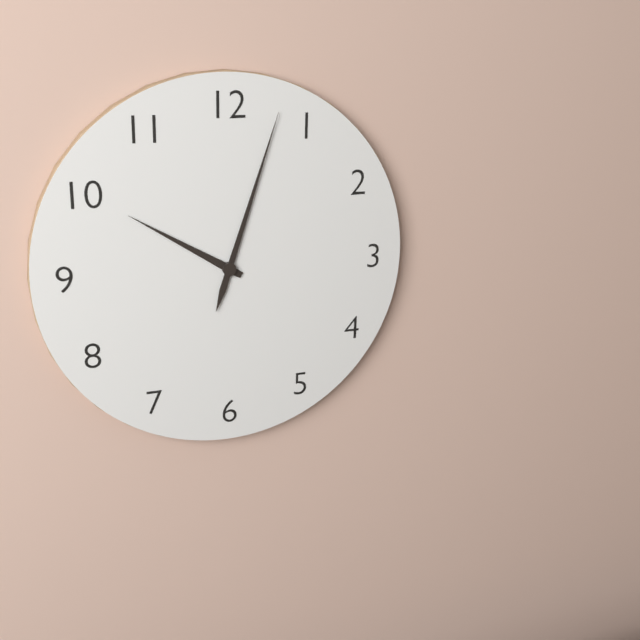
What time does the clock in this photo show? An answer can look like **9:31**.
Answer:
**10:03**
